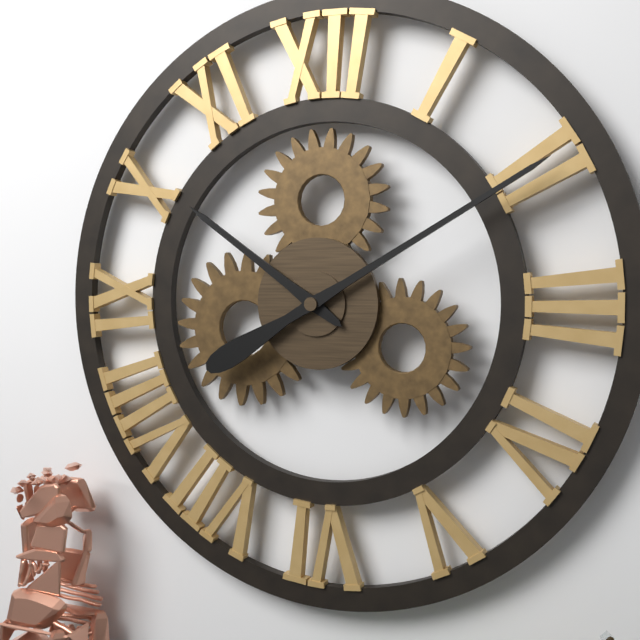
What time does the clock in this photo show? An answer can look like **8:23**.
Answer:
**10:10**
